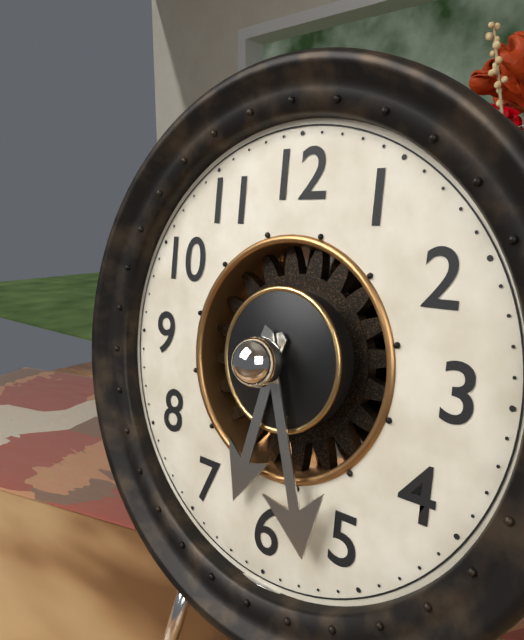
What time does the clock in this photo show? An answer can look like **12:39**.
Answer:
**6:27**
